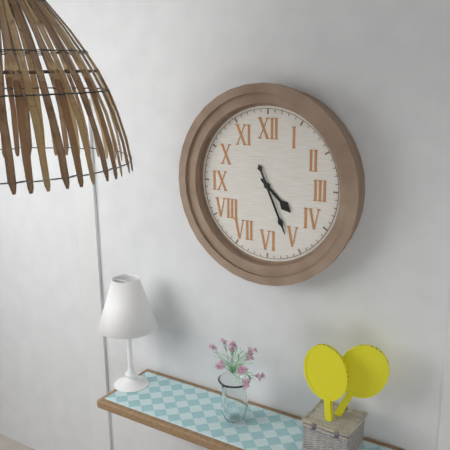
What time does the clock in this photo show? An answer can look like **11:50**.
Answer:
**4:26**
